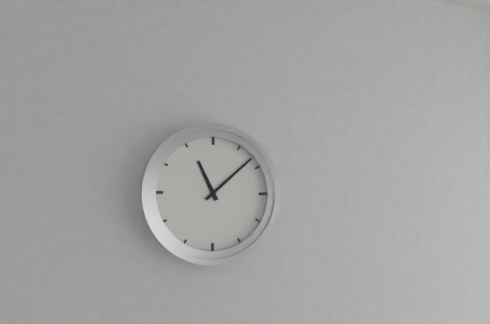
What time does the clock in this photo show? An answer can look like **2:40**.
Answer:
**11:08**
